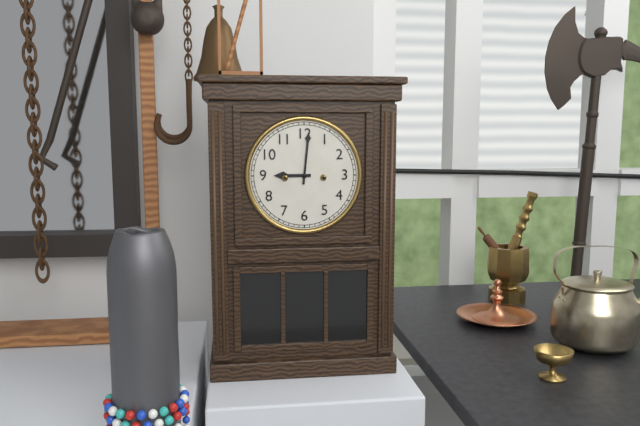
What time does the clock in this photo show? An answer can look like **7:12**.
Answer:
**9:01**
